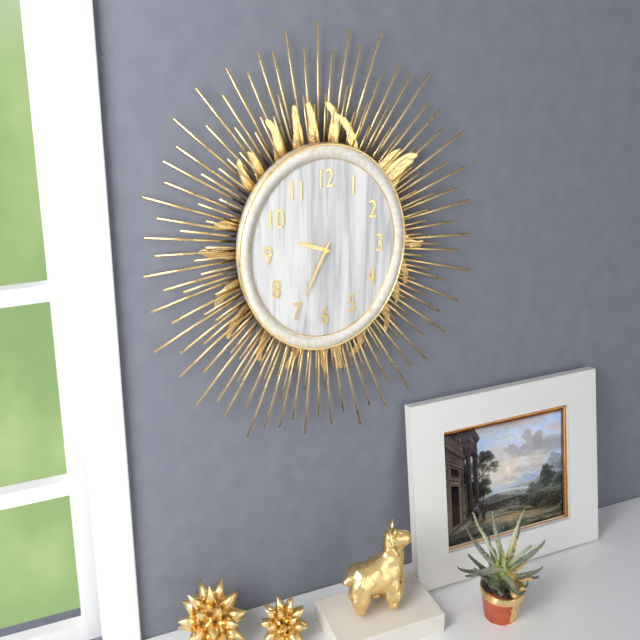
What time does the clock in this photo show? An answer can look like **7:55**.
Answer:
**9:35**
